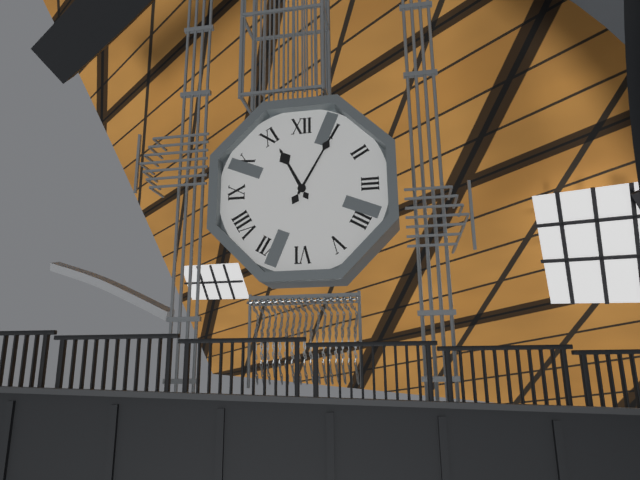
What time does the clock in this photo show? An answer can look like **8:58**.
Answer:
**11:05**
